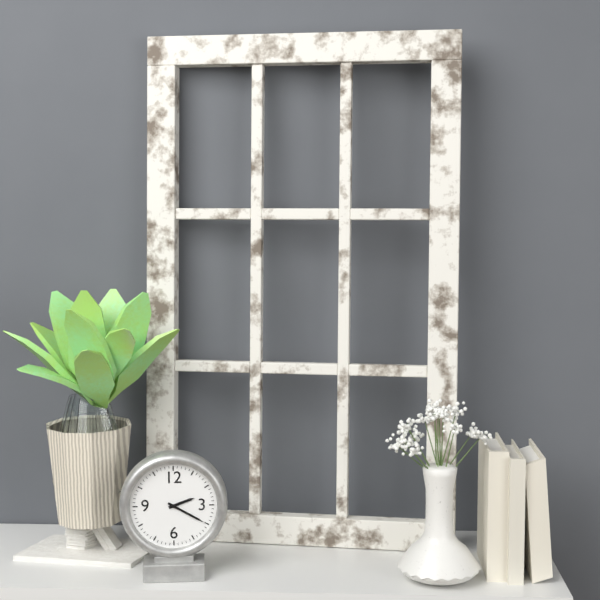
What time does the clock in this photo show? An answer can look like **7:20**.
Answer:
**2:20**
